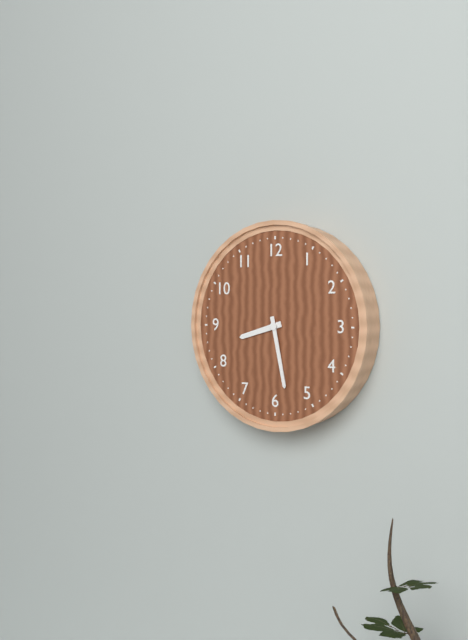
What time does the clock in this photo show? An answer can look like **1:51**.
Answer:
**8:28**
